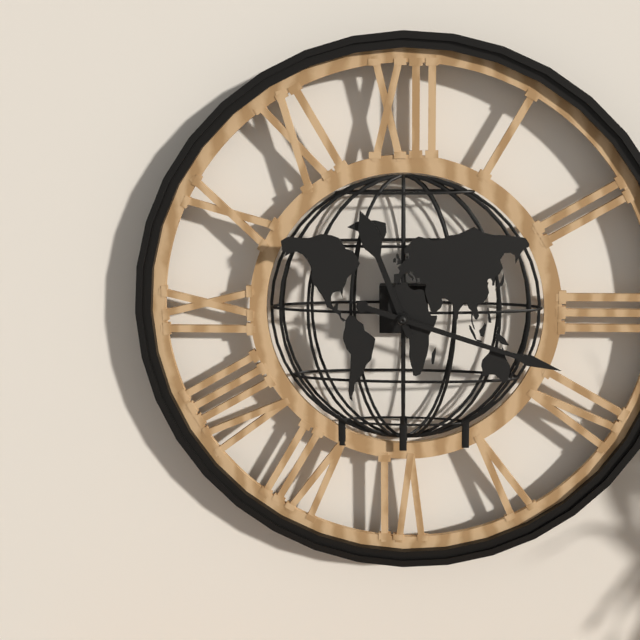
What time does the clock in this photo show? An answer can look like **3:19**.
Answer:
**11:18**
